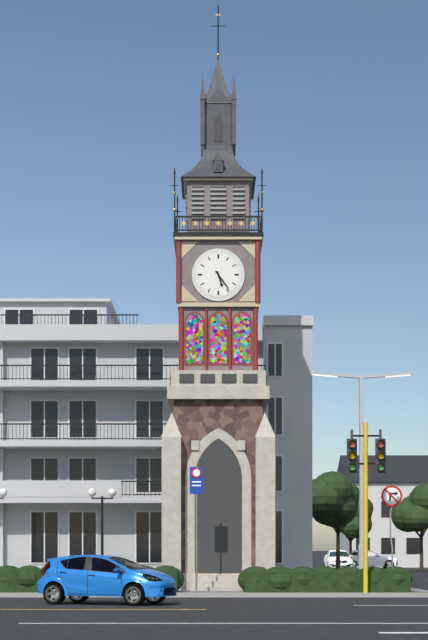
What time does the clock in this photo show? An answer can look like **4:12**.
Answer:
**5:24**
